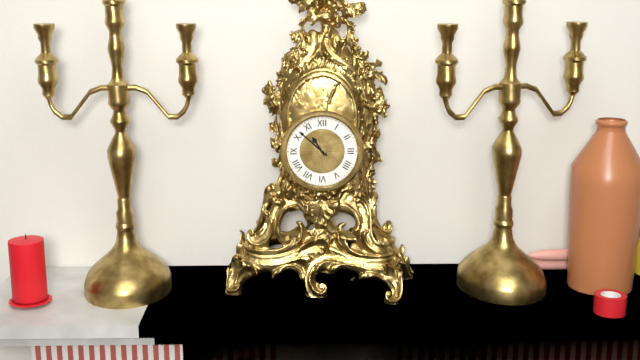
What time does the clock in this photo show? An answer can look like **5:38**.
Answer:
**10:52**
